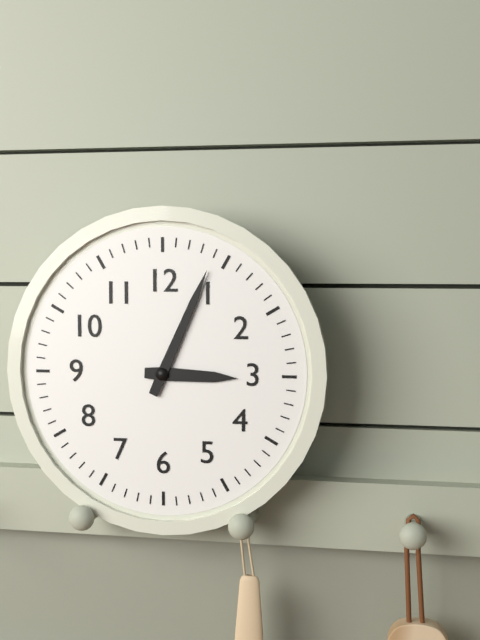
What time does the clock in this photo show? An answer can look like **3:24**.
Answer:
**3:04**
